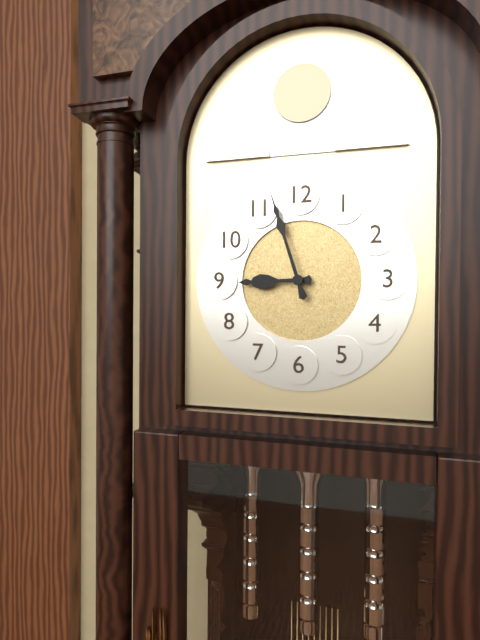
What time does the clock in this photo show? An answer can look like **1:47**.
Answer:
**8:57**
